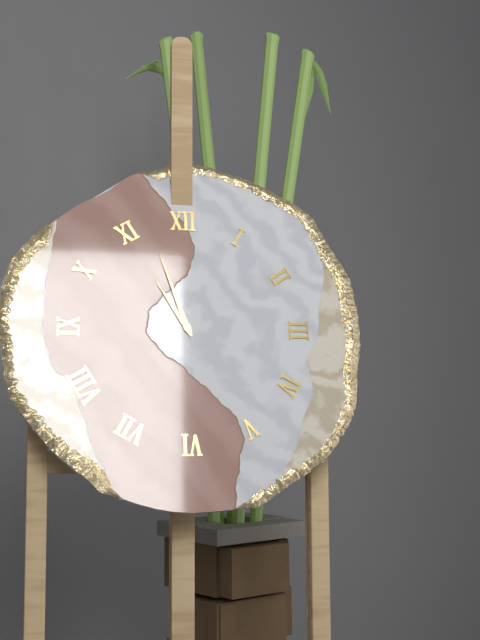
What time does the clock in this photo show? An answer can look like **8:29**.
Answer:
**10:57**
